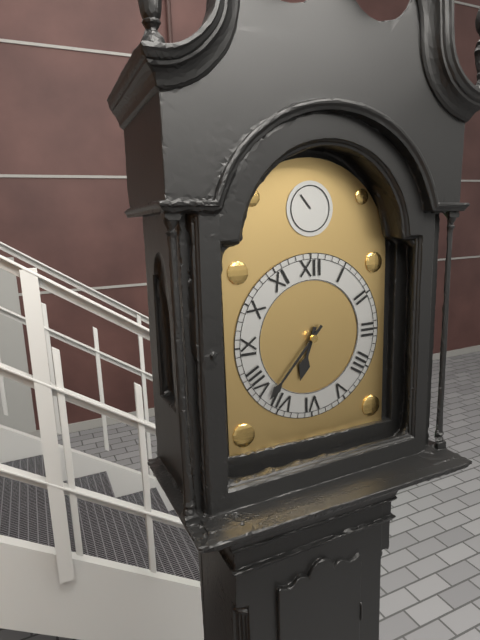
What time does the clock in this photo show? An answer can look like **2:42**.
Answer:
**6:37**
